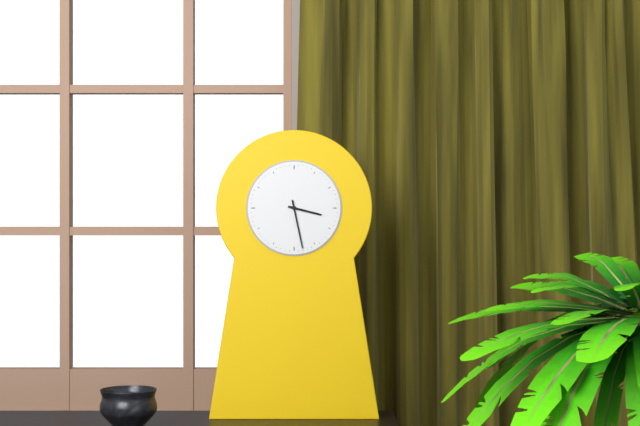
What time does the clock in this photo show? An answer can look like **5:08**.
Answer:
**3:28**
